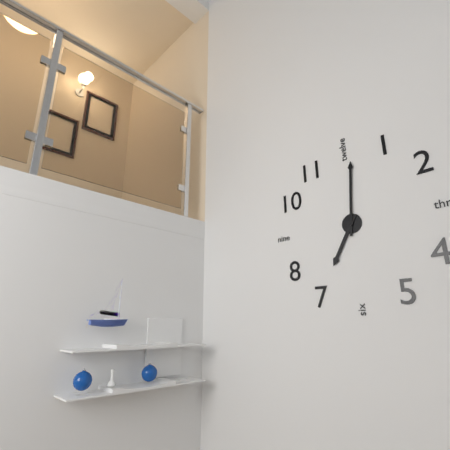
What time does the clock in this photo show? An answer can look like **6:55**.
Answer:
**7:01**
